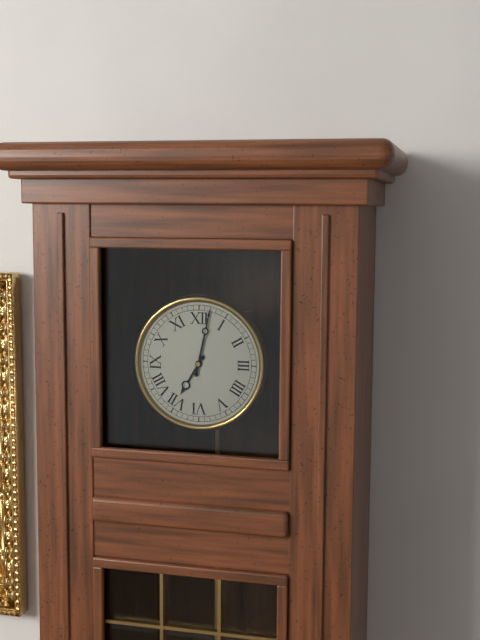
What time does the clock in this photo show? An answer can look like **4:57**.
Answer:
**7:02**
